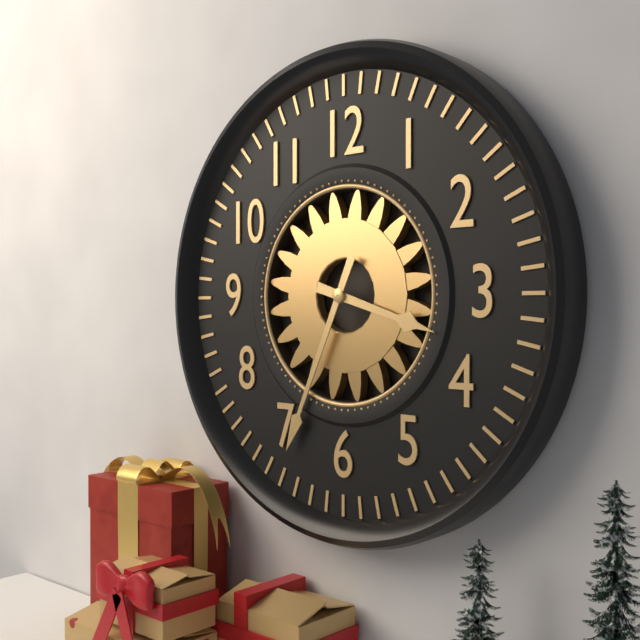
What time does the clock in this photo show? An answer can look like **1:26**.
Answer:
**3:34**
